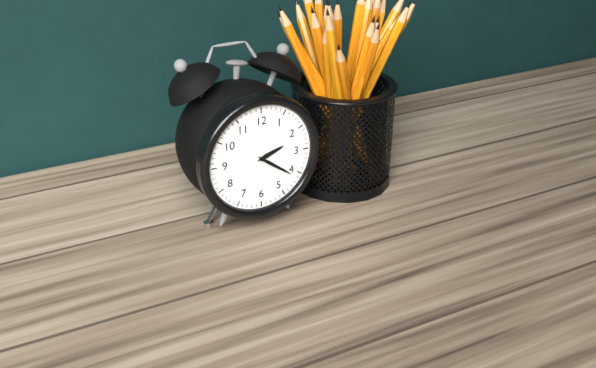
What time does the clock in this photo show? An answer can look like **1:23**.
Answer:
**2:21**
